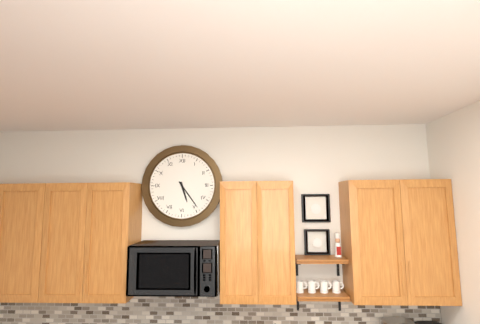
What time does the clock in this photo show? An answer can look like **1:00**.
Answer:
**5:24**
